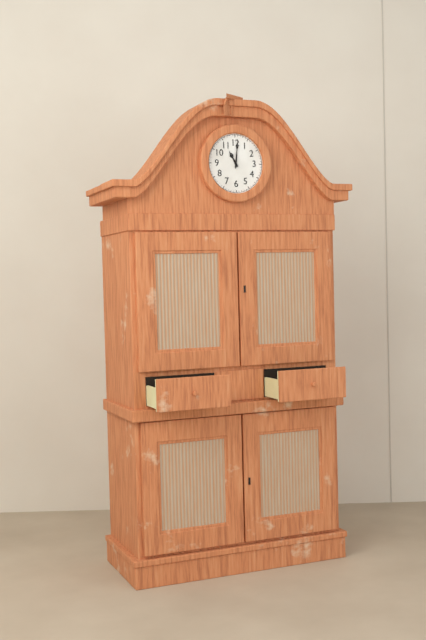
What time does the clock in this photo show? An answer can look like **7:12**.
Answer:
**11:01**
